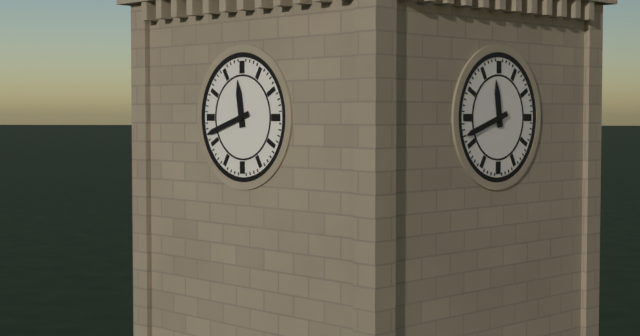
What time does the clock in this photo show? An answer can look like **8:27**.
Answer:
**11:42**
